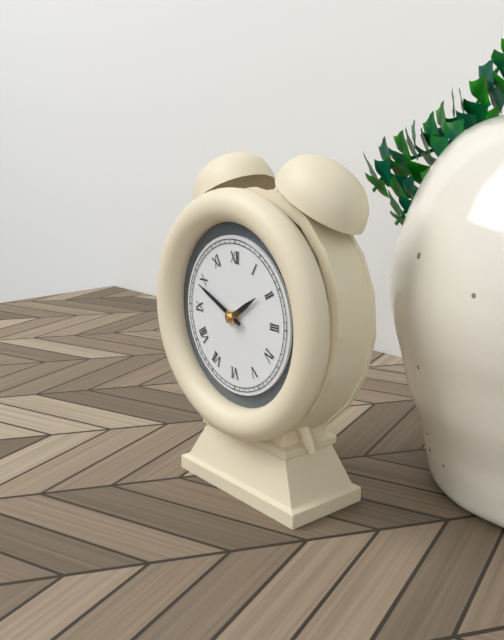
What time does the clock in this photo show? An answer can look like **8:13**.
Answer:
**1:49**
